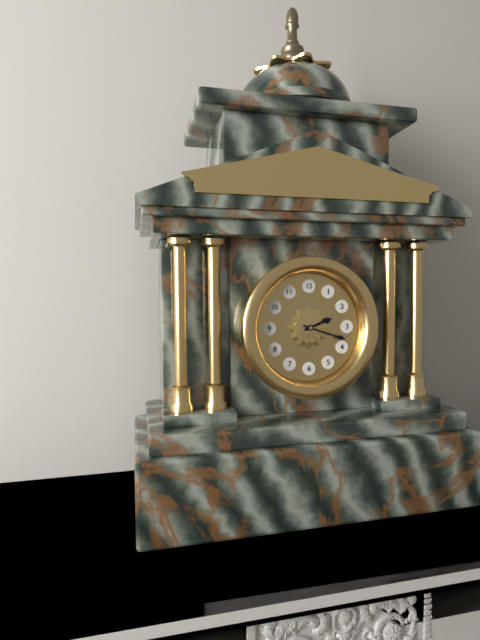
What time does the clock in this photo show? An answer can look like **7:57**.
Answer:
**2:18**
